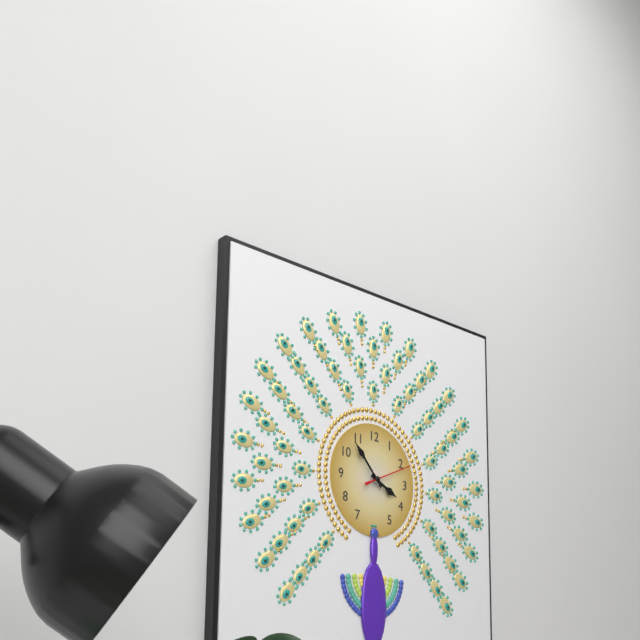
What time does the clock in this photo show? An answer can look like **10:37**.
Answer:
**3:53**
